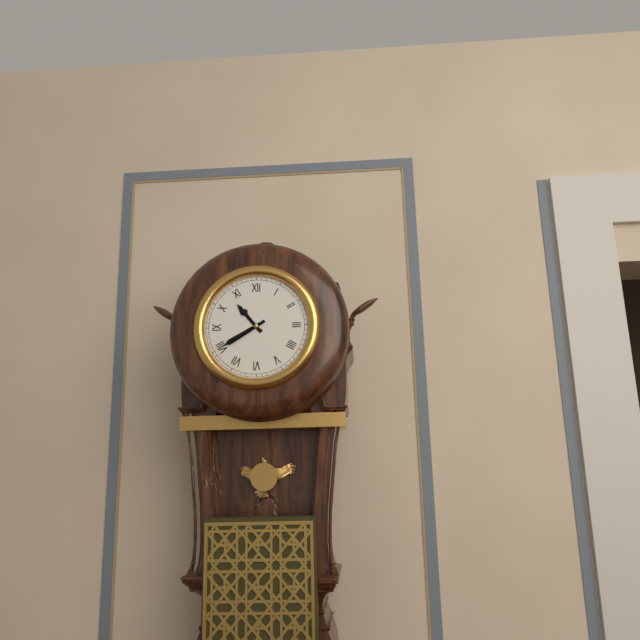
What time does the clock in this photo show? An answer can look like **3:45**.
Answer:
**10:40**
